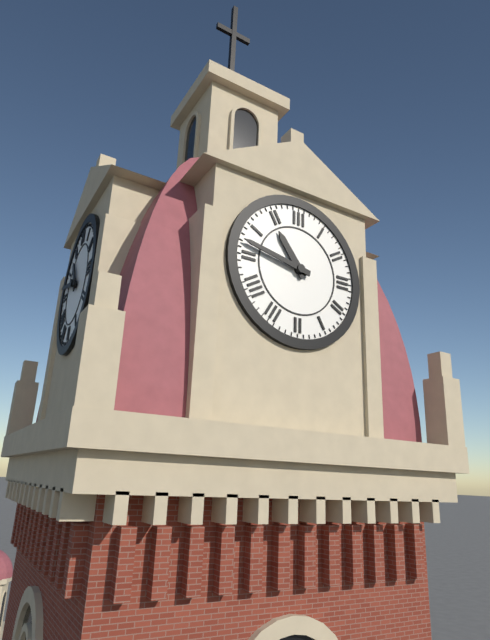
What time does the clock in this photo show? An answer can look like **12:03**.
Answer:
**10:47**
